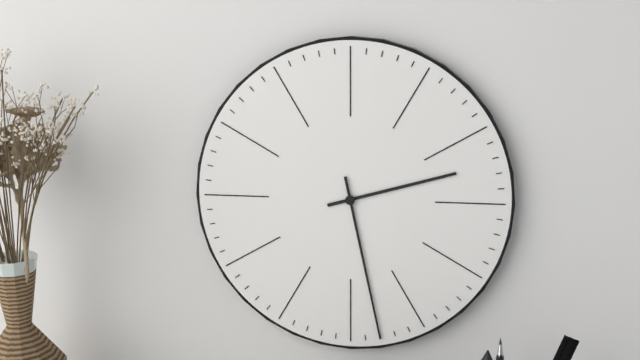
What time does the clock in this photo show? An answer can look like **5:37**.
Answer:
**2:28**
